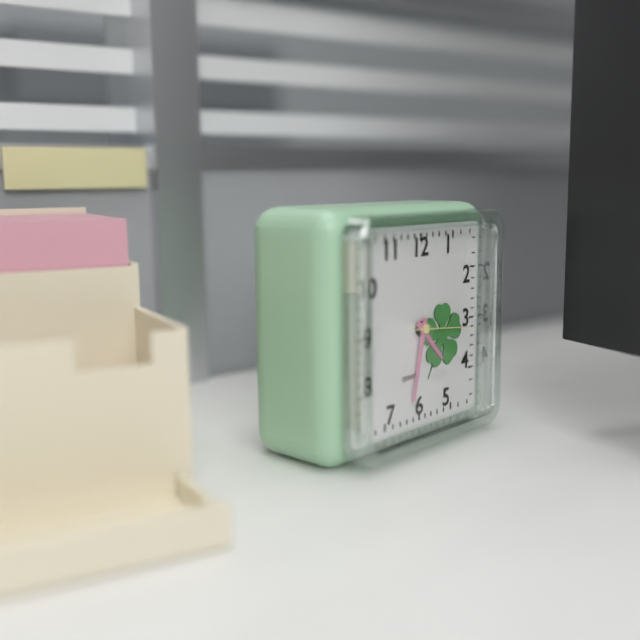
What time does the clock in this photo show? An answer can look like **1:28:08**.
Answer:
**4:32:16**
